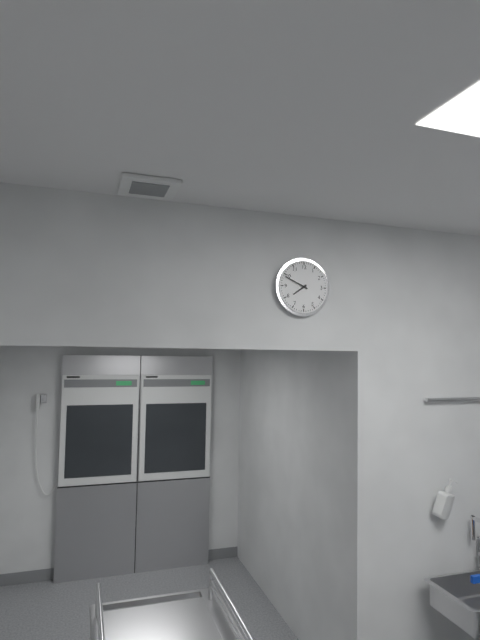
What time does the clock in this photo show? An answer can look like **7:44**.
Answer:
**7:49**
